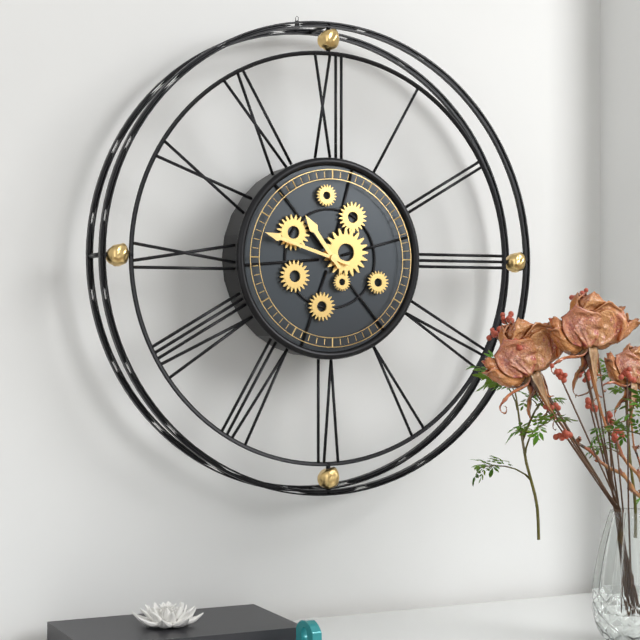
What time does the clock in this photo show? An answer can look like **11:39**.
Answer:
**10:48**
